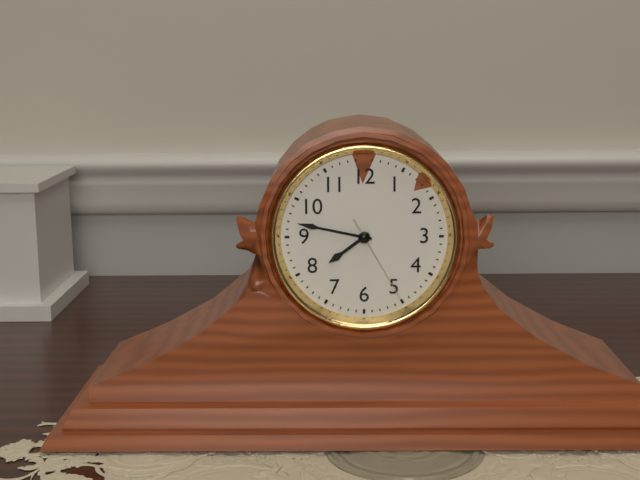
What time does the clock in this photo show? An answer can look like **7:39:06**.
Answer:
**7:47:25**
